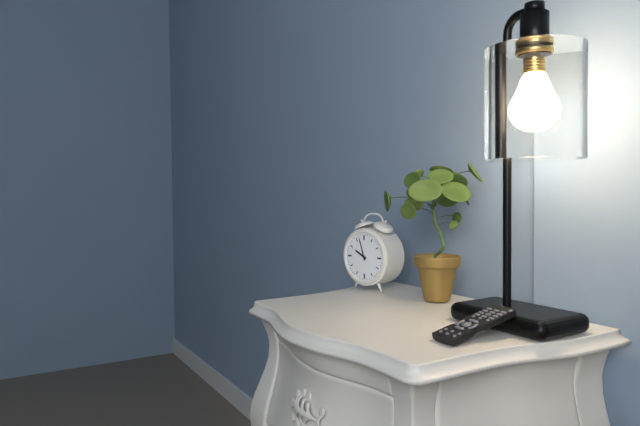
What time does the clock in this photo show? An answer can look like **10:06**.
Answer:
**9:57**
